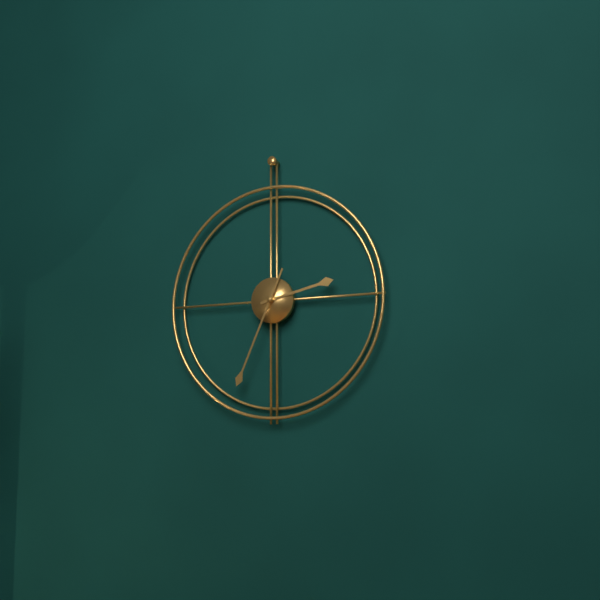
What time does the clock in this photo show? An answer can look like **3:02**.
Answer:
**2:34**
